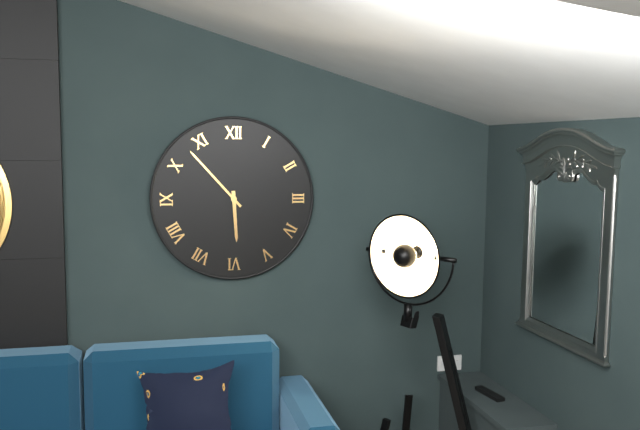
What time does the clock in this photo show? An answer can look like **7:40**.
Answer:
**5:53**
